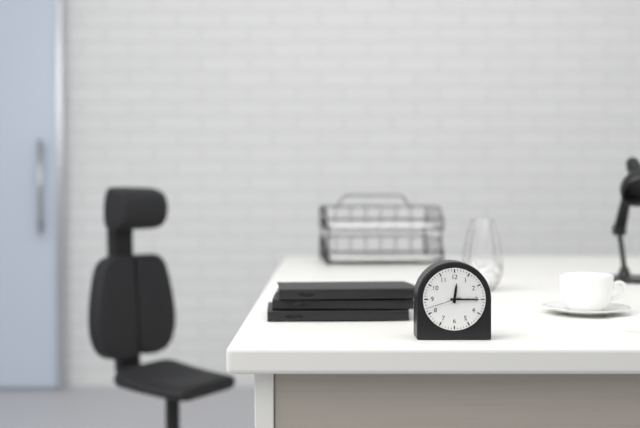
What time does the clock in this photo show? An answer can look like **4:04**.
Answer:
**12:15**
